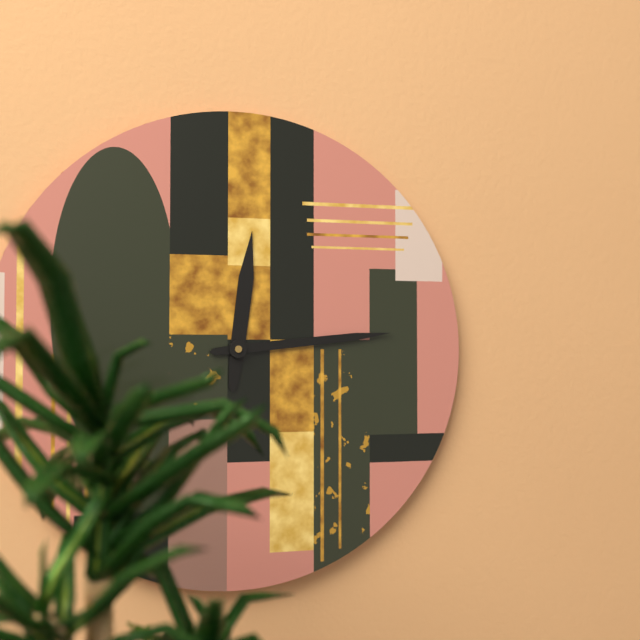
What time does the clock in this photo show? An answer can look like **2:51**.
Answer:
**12:14**
